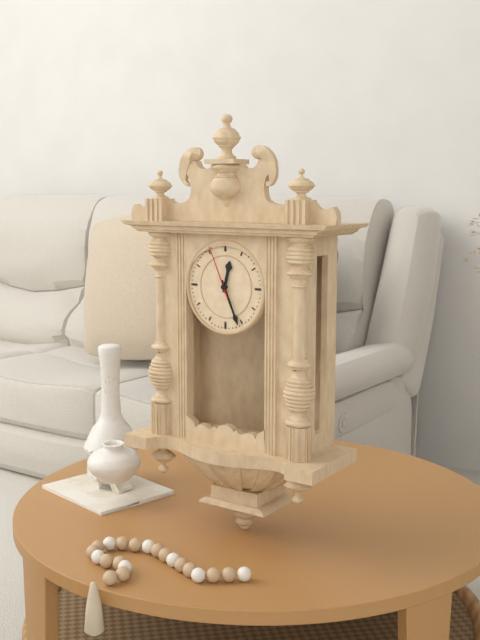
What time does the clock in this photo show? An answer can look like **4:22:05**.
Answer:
**12:26:56**
